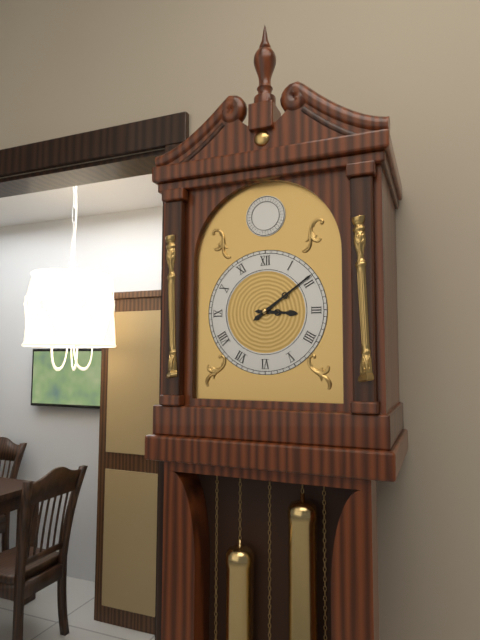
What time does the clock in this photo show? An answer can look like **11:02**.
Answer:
**3:09**
